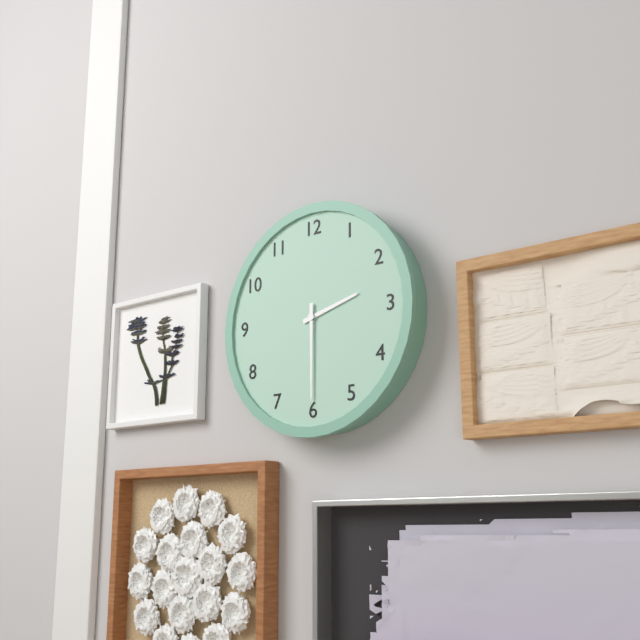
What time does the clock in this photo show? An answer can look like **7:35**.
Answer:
**2:30**
